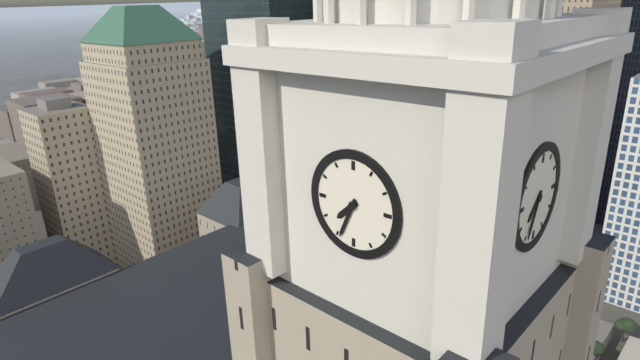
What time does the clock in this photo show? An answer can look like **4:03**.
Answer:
**7:34**
